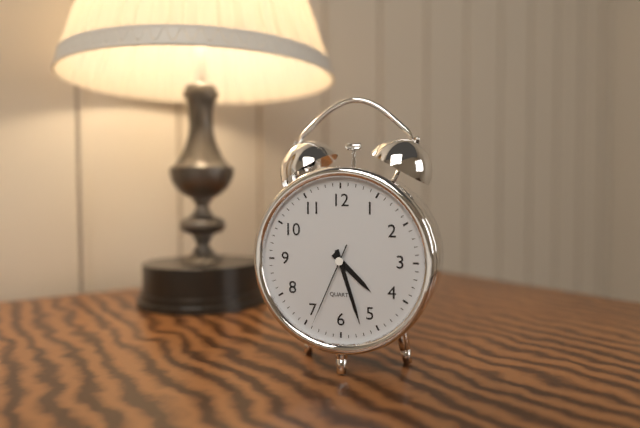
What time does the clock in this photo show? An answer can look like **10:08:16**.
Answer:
**4:27:34**
